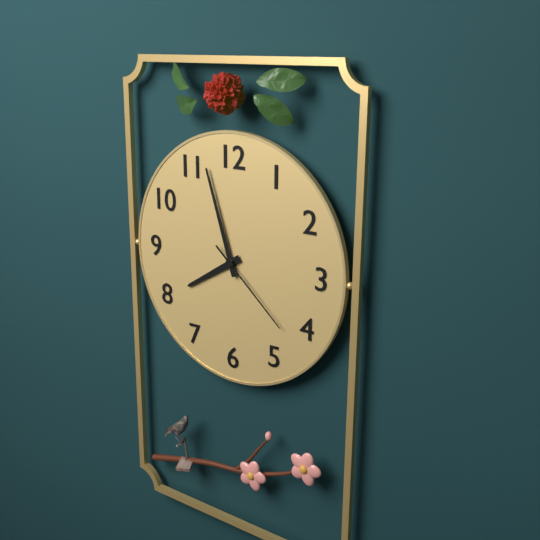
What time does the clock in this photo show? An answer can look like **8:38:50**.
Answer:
**7:57:22**
